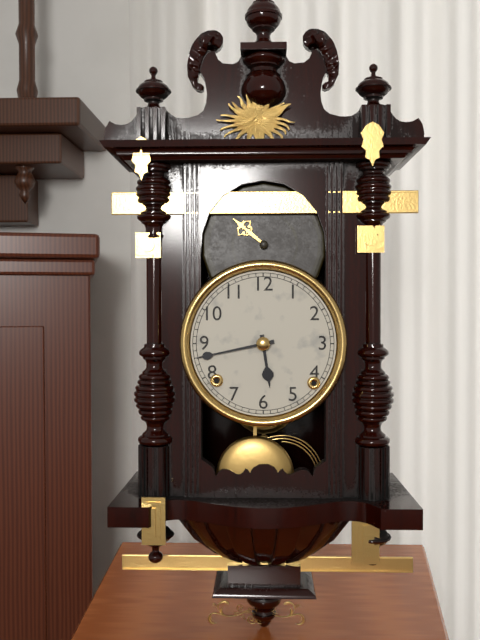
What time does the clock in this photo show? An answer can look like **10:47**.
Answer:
**5:43**
